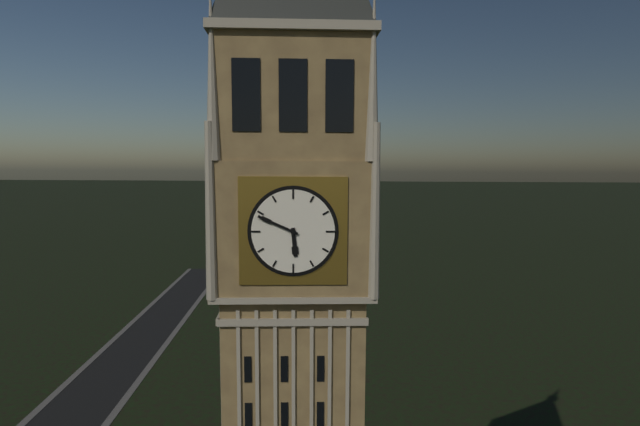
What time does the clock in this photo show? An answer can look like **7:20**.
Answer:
**5:49**
